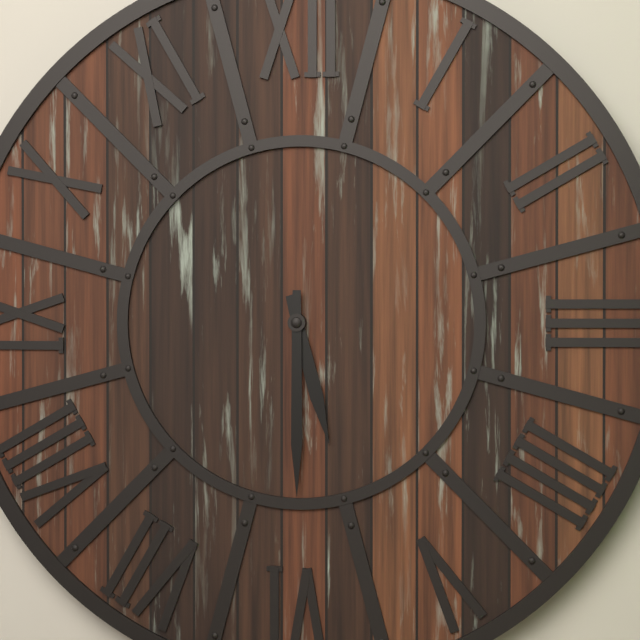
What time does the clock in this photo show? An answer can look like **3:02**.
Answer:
**5:30**
